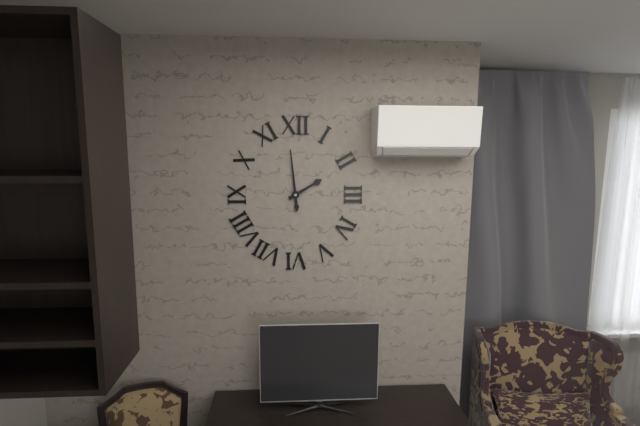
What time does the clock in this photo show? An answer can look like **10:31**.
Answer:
**1:59**
